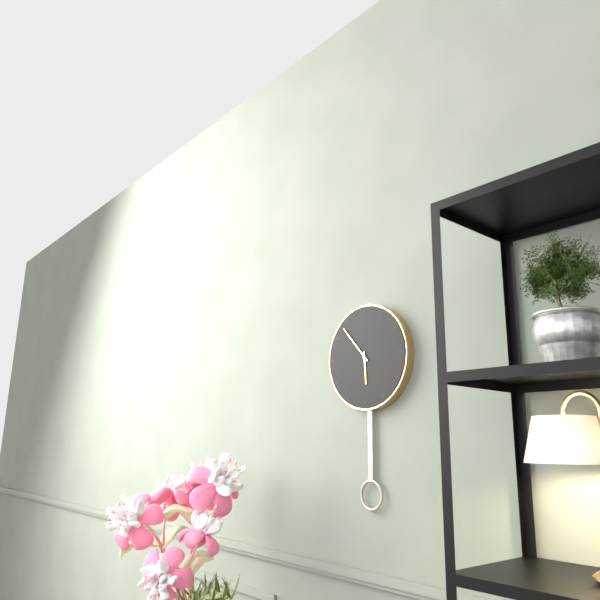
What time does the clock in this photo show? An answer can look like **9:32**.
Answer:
**5:53**
